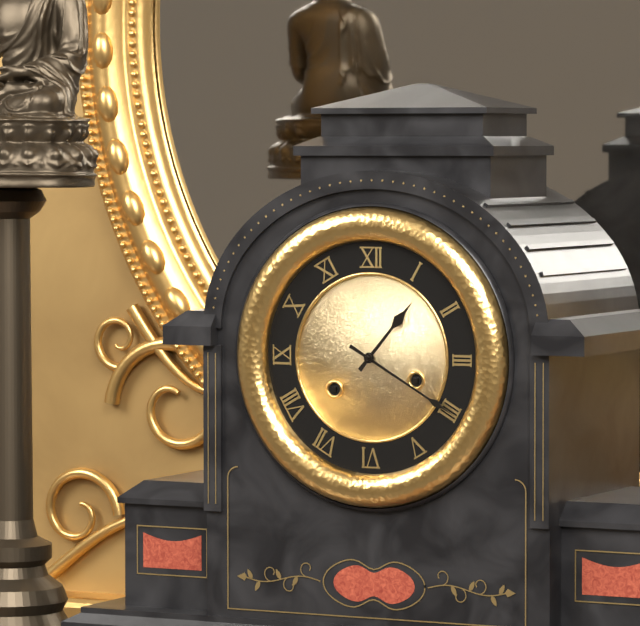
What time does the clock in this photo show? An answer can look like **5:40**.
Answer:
**1:20**
